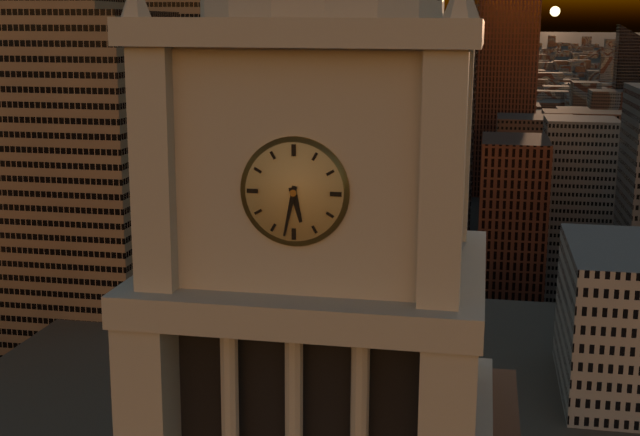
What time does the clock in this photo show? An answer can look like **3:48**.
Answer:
**5:32**
